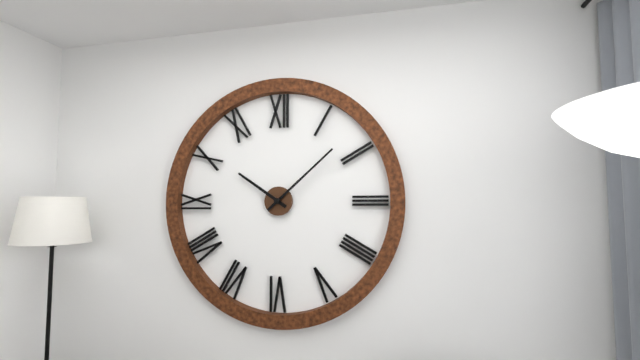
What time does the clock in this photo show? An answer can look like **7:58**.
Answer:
**10:08**
